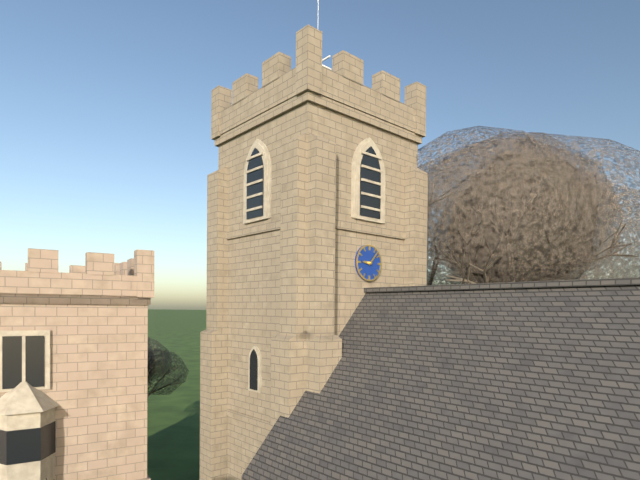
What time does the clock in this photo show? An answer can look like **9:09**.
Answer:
**9:07**
